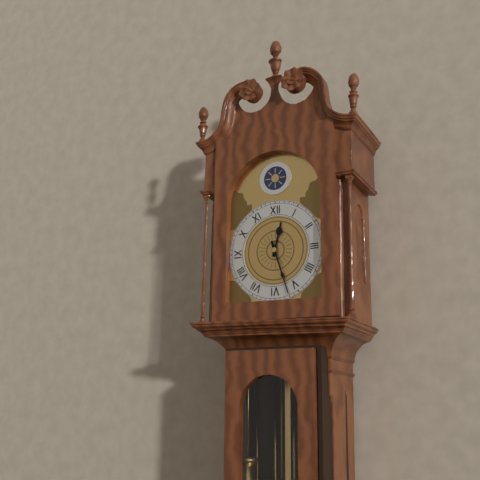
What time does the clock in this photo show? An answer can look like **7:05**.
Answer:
**12:27**
